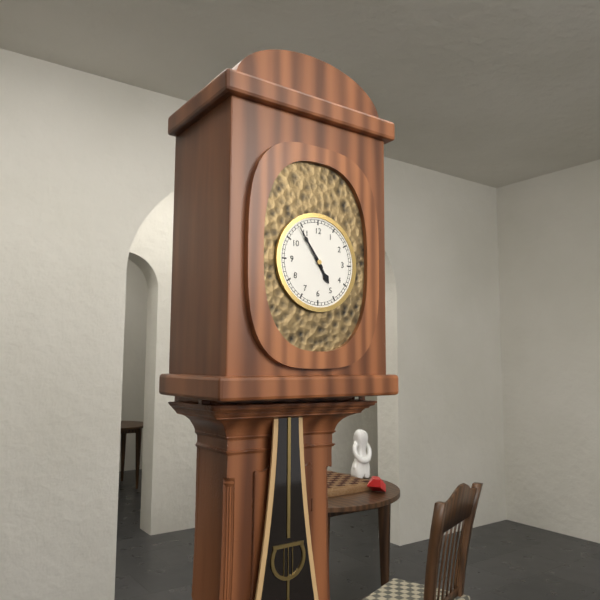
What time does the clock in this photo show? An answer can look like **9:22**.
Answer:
**4:54**
